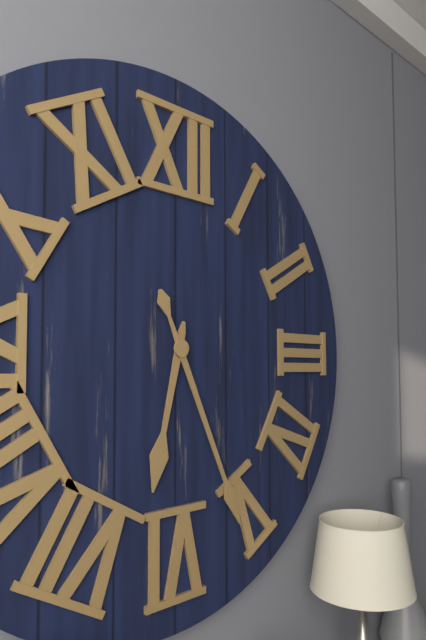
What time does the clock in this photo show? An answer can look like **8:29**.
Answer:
**6:26**
